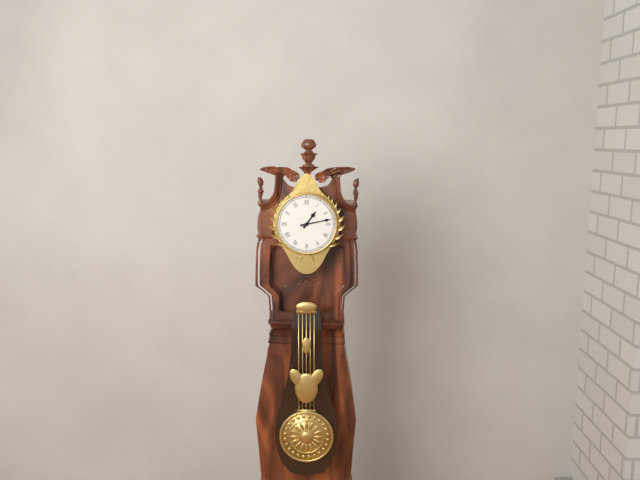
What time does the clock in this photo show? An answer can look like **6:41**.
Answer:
**1:13**
